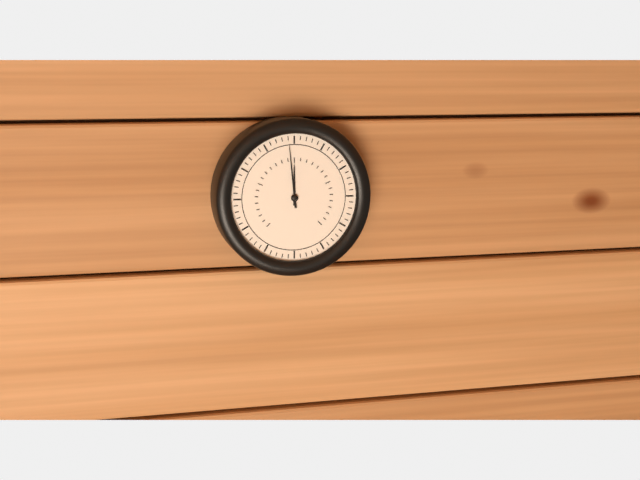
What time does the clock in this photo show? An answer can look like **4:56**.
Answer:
**11:59**
